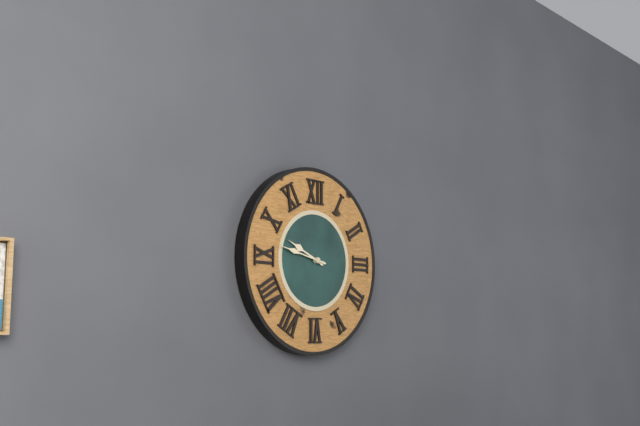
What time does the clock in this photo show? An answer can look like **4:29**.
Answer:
**9:47**
